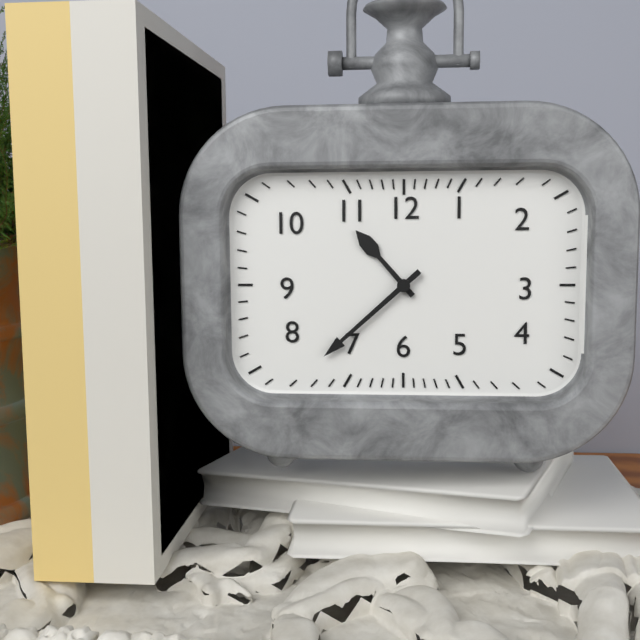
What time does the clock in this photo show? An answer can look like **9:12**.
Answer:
**10:38**
